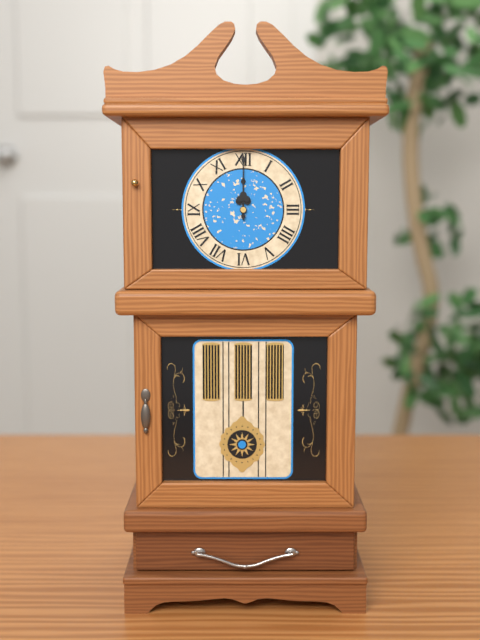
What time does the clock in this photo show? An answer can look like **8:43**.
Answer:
**12:00**
